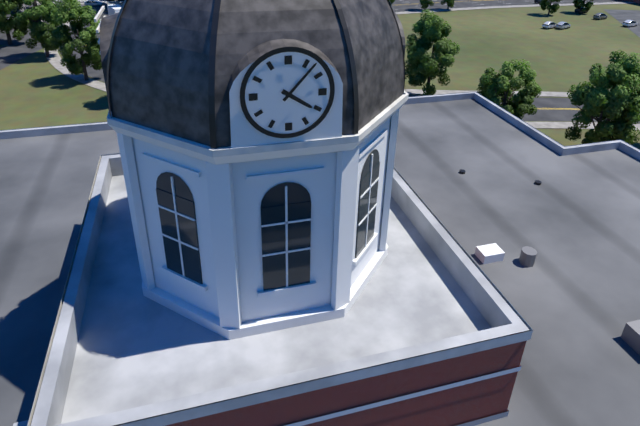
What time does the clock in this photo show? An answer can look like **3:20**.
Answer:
**4:07**
